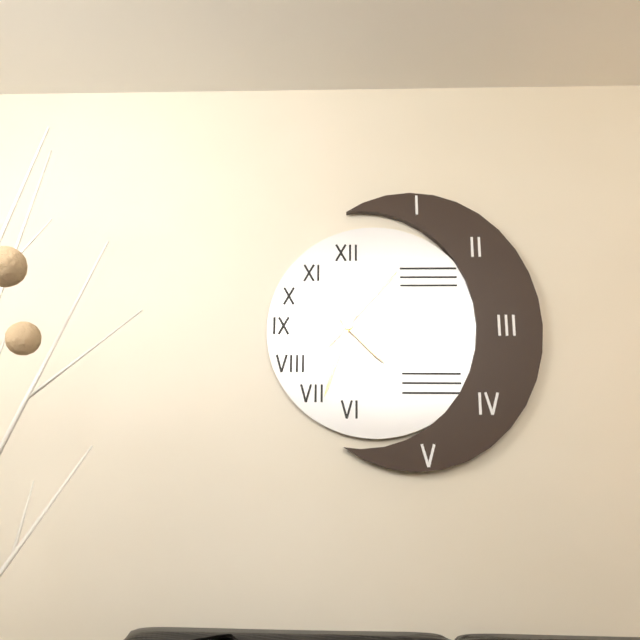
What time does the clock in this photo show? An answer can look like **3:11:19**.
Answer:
**4:33:07**
